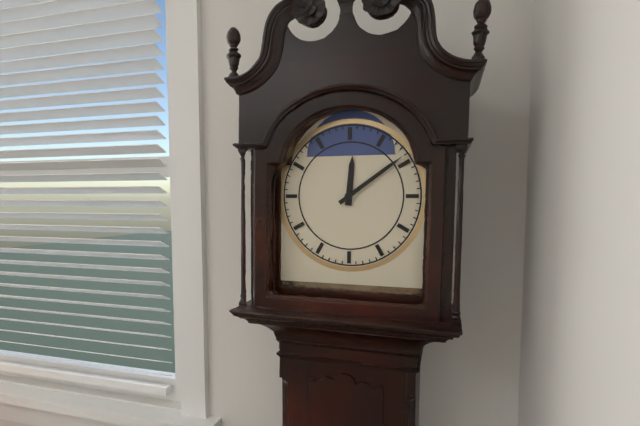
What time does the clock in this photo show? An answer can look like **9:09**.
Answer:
**12:09**
